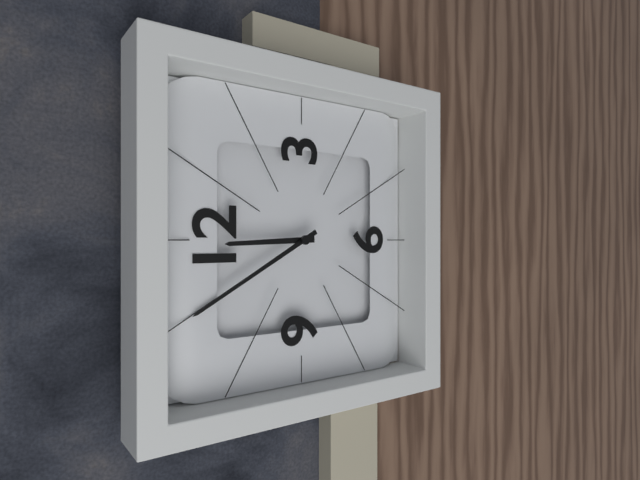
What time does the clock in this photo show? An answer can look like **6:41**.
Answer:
**11:55**
